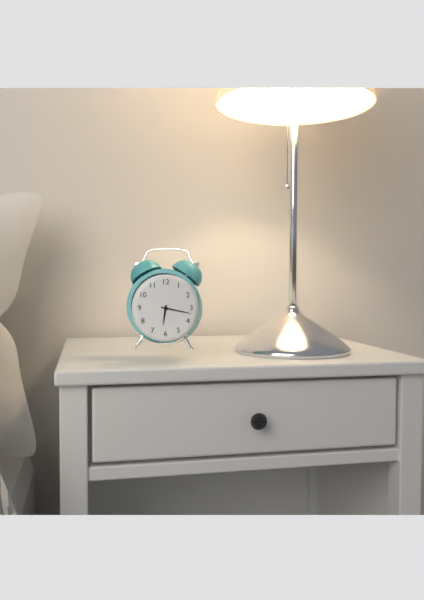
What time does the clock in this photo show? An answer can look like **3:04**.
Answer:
**6:17**
